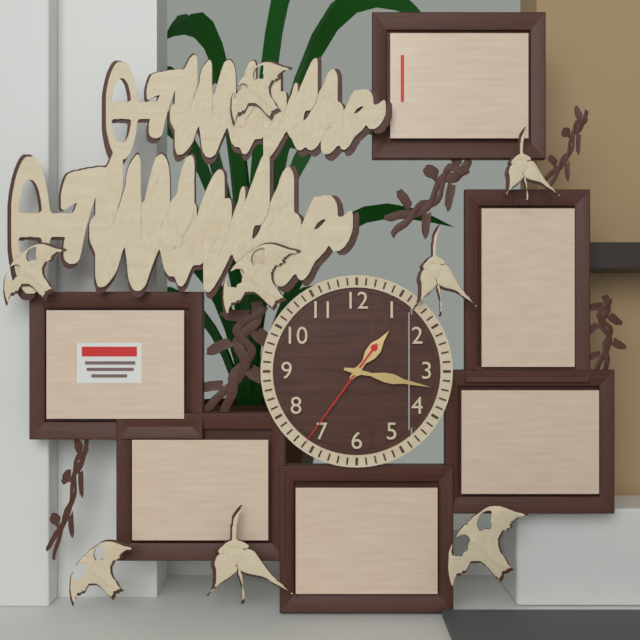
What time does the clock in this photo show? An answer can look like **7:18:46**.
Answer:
**1:17:36**
